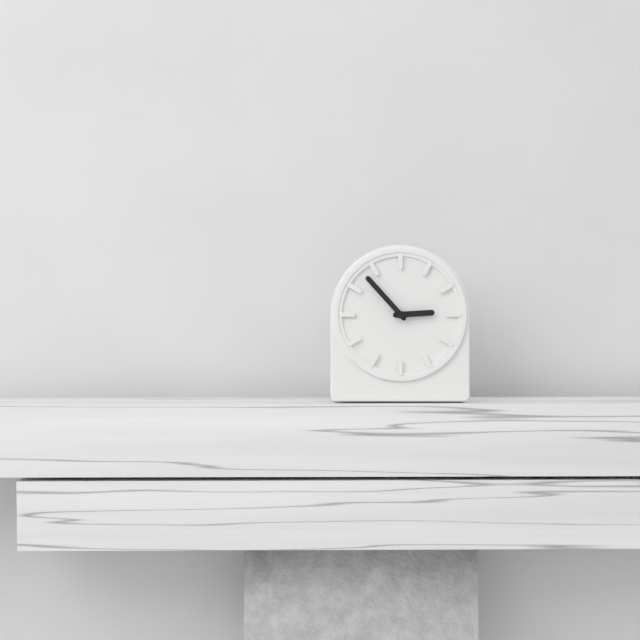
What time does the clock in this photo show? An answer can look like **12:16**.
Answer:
**2:53**
